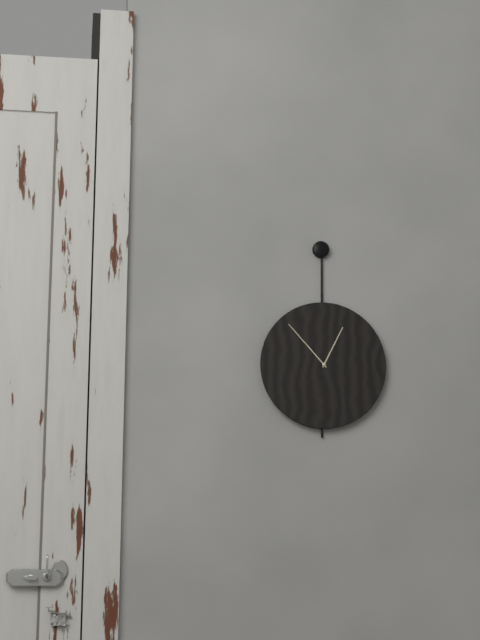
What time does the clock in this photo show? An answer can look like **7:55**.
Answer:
**12:53**
